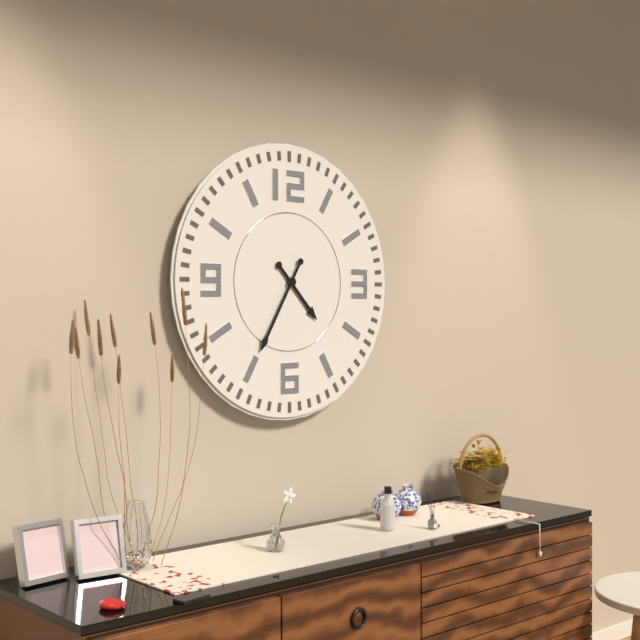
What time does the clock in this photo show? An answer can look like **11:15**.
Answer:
**4:35**
